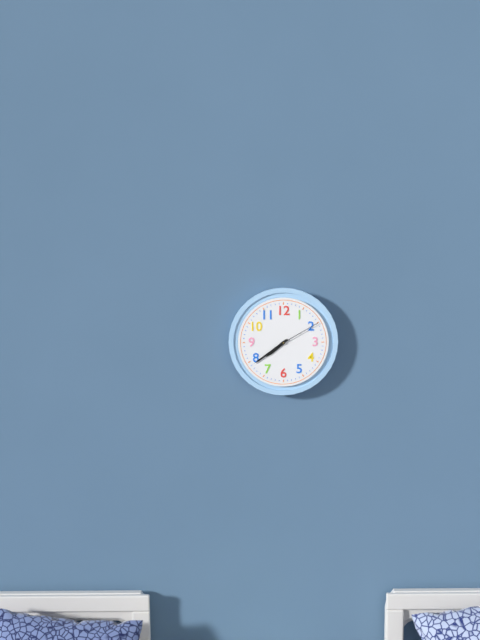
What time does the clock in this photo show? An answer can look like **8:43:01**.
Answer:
**7:39:10**
